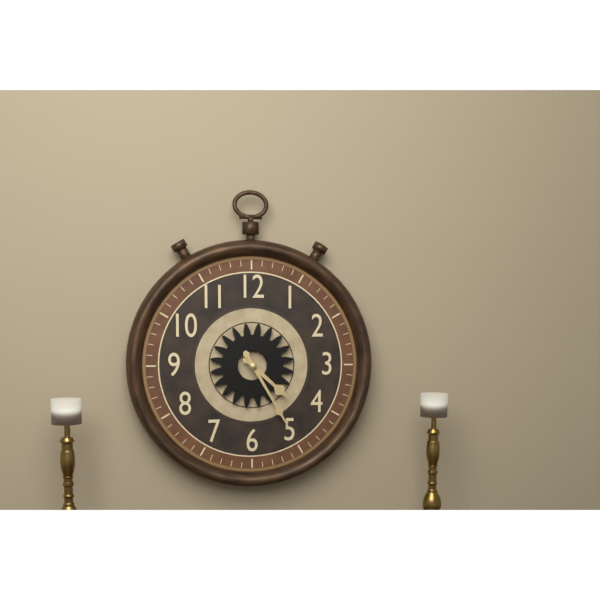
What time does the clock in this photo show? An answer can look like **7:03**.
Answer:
**4:25**
